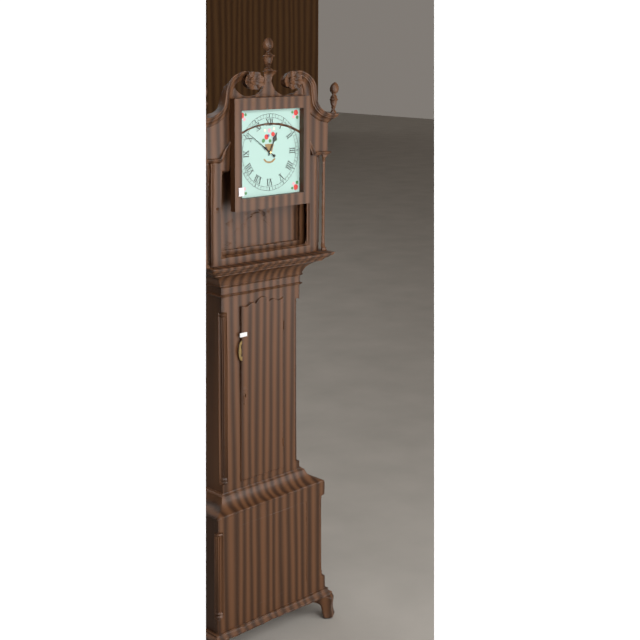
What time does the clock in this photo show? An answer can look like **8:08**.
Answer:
**12:51**
